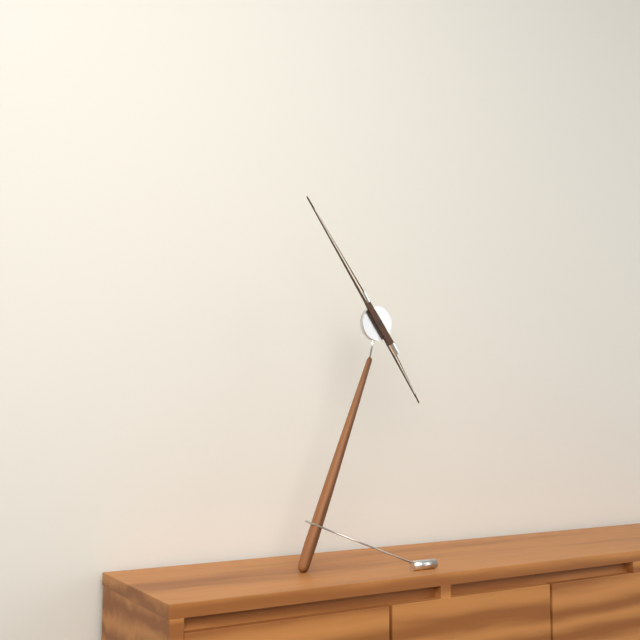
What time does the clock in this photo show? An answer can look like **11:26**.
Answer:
**4:54**
